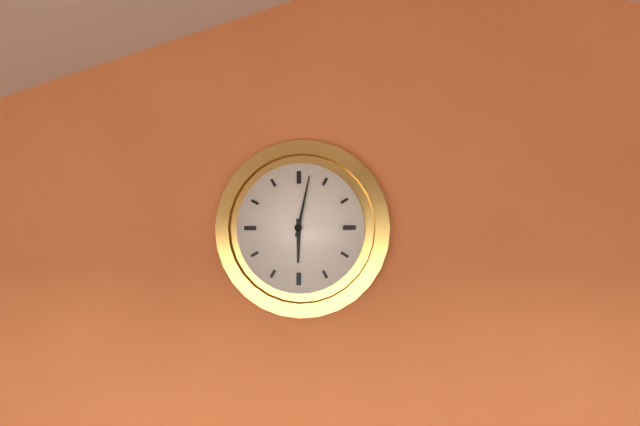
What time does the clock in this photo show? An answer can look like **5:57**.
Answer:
**6:02**
